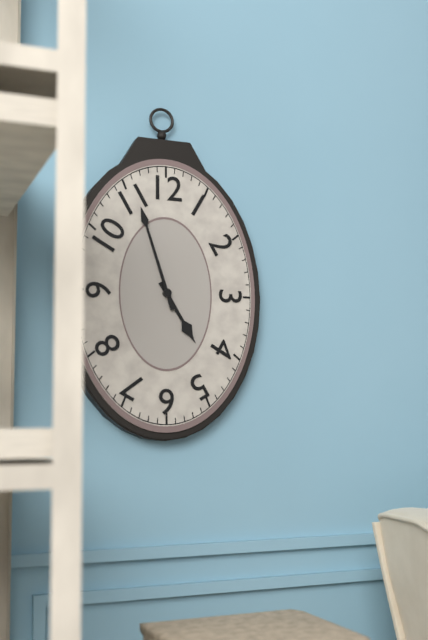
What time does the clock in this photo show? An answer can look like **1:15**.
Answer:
**4:57**
